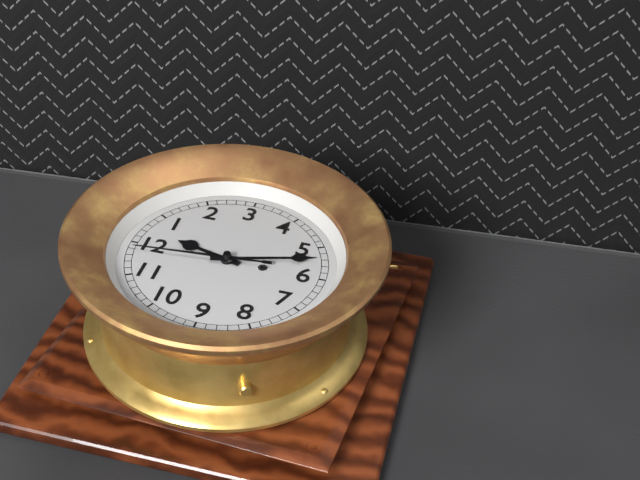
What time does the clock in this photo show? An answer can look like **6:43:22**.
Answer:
**12:27:59**
